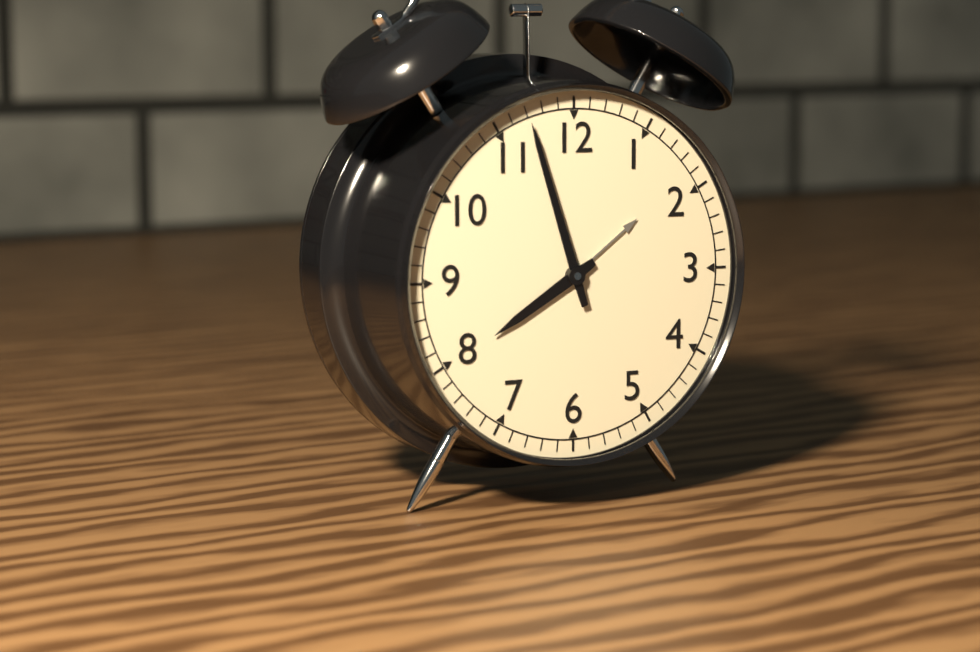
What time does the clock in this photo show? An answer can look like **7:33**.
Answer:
**7:57**
